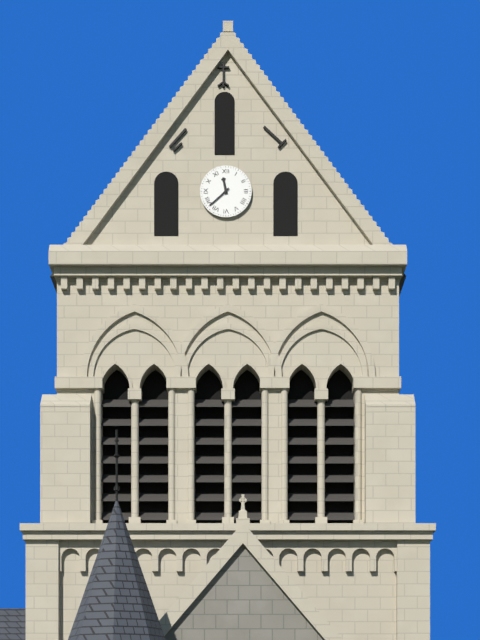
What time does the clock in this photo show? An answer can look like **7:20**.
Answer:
**11:38**
